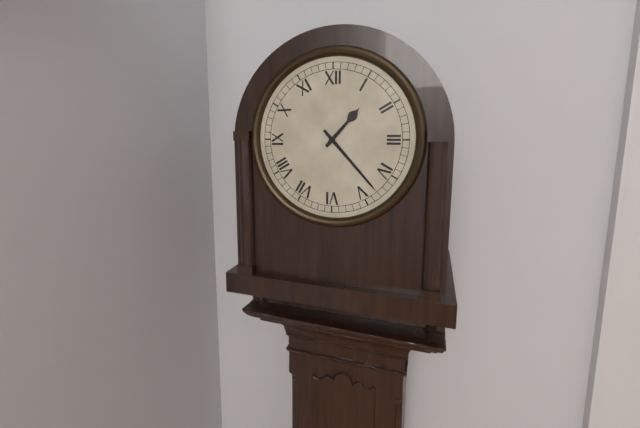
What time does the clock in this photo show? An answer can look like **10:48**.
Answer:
**1:23**
